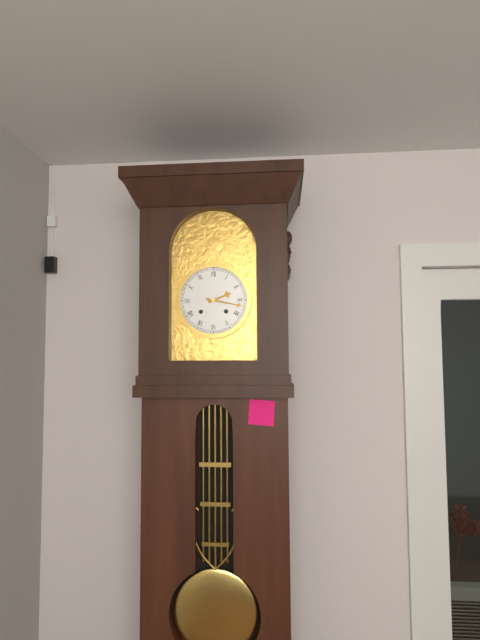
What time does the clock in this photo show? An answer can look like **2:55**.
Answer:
**2:17**
